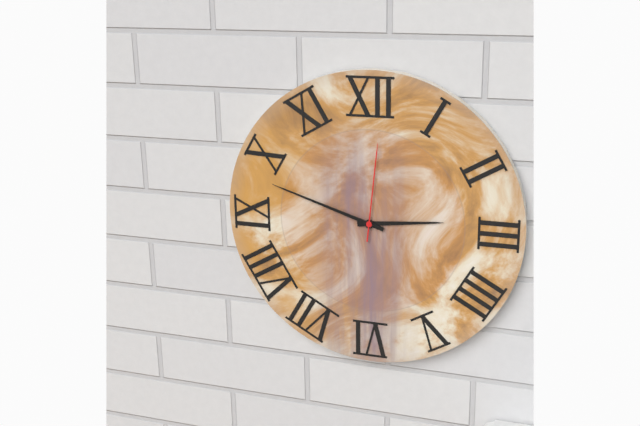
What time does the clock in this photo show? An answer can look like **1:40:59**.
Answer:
**2:48:01**
